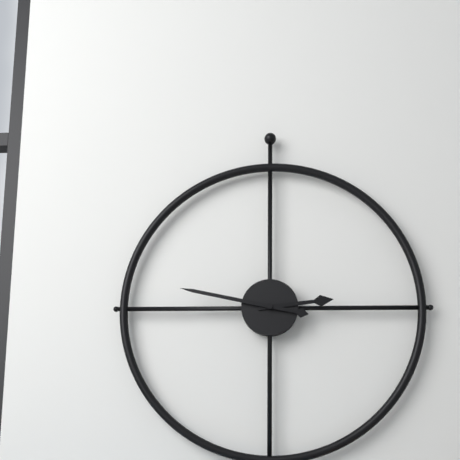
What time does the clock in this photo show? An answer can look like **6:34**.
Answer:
**2:47**
